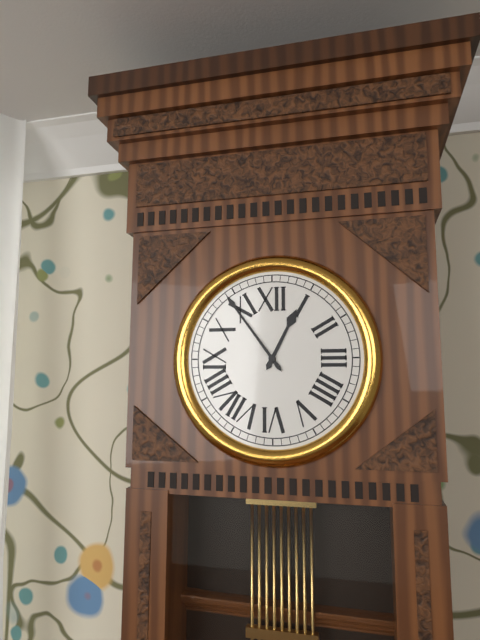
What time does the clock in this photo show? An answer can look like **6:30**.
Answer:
**12:54**
